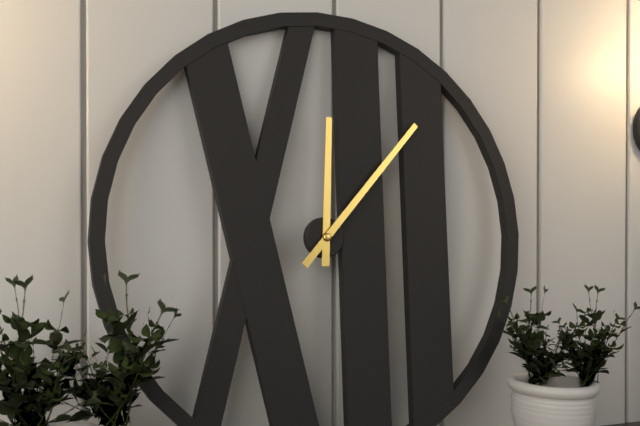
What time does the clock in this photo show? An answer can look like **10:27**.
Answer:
**12:07**
